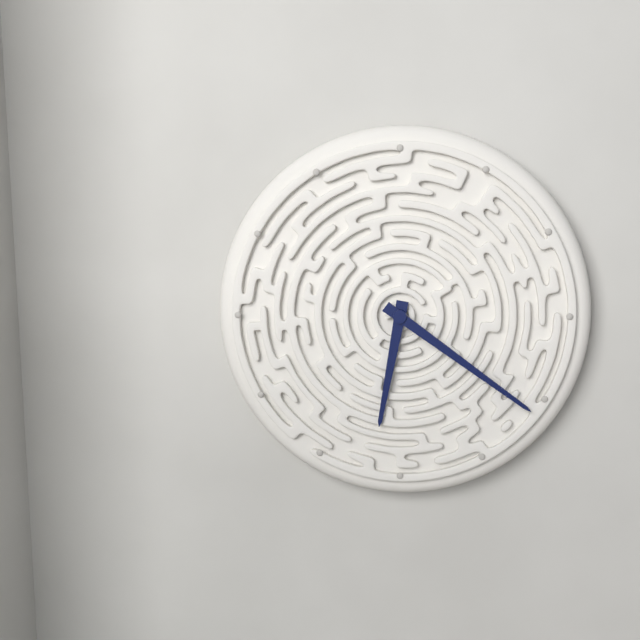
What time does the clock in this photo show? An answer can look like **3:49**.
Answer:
**6:21**
